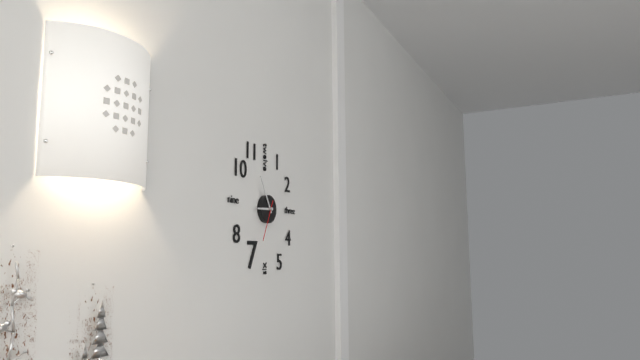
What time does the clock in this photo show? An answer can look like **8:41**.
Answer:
**8:55**
